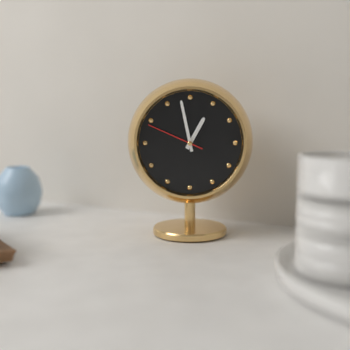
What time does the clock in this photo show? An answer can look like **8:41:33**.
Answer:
**12:58:49**
